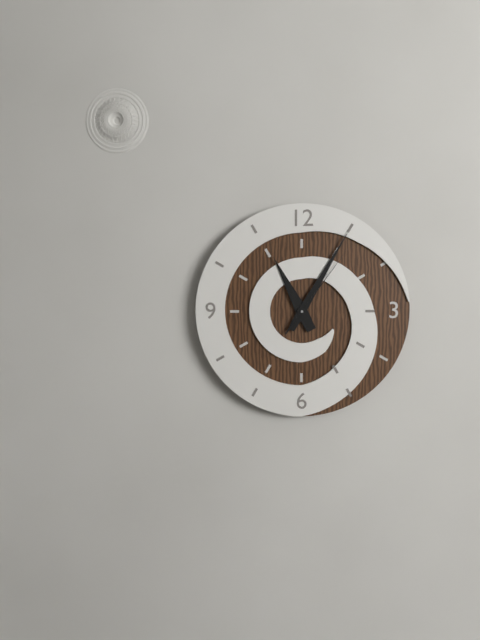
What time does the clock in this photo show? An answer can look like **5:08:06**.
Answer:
**11:05:06**
